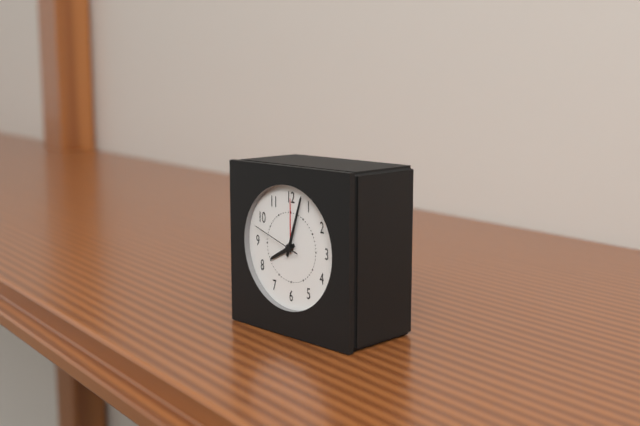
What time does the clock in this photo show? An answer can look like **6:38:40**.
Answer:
**8:03:48**
